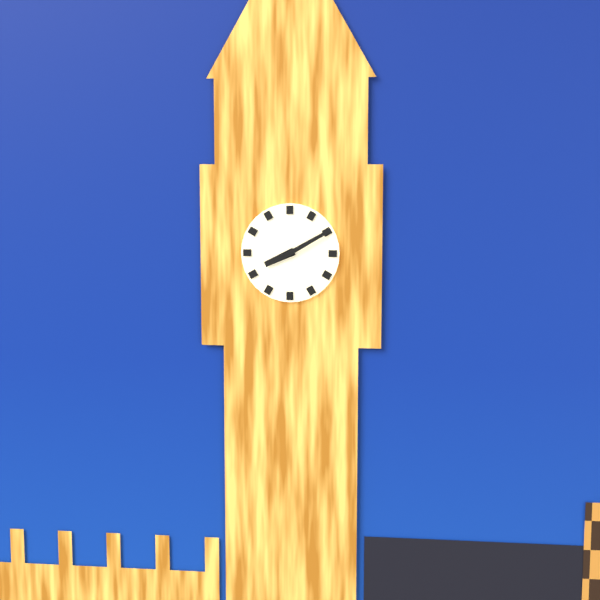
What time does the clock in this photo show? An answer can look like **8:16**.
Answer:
**8:10**
